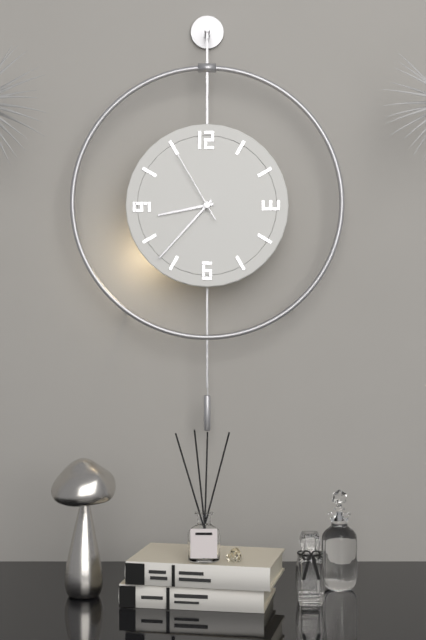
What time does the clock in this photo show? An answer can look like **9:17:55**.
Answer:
**8:37:55**
